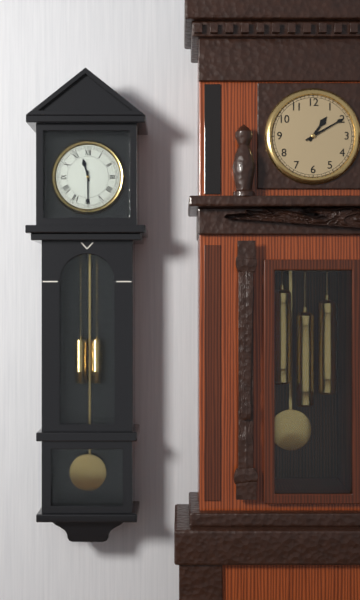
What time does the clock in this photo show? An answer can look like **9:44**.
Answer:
**11:30**
